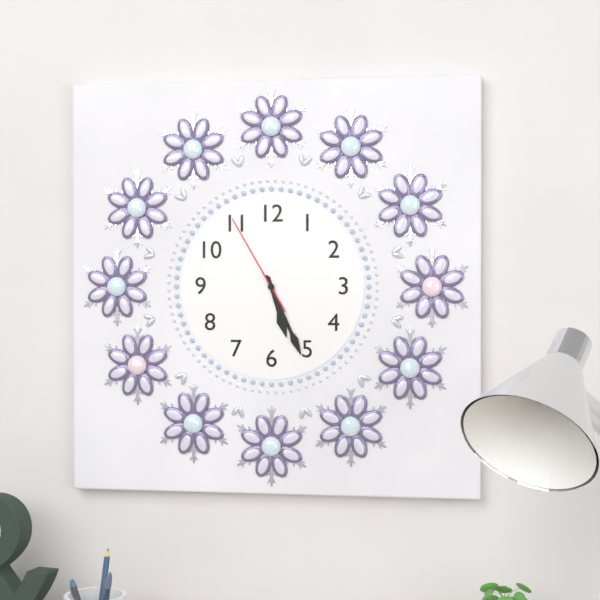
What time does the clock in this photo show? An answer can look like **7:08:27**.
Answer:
**5:26:55**
